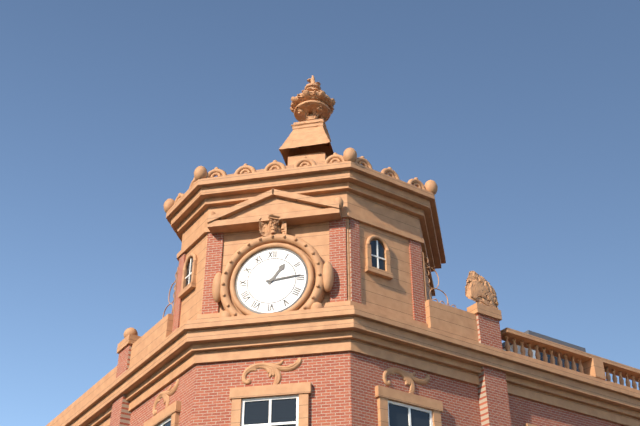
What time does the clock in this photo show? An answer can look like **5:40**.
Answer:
**1:14**
